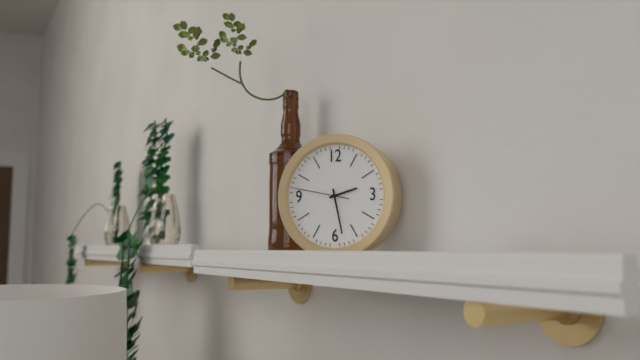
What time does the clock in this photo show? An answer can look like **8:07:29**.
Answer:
**2:28:47**
